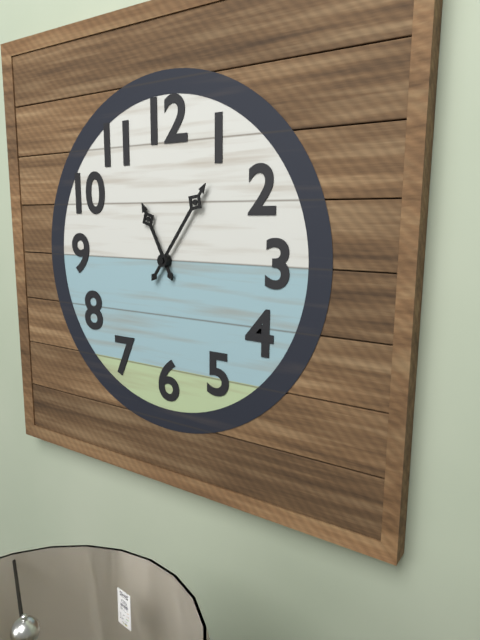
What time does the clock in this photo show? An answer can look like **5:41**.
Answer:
**11:06**
